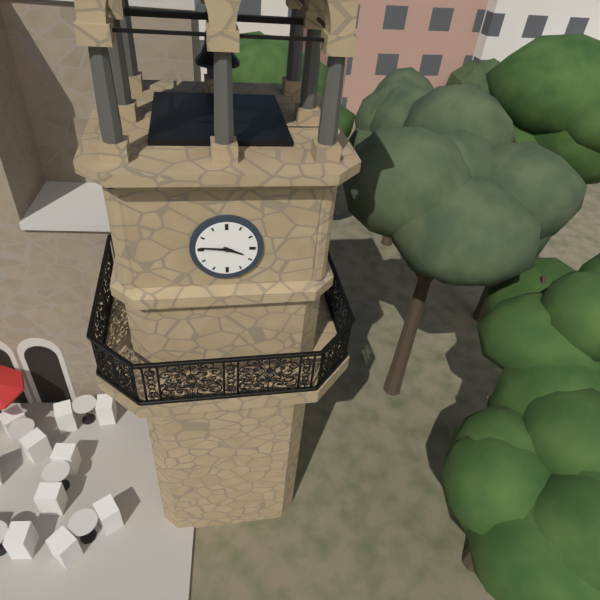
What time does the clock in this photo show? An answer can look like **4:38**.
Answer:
**3:46**
